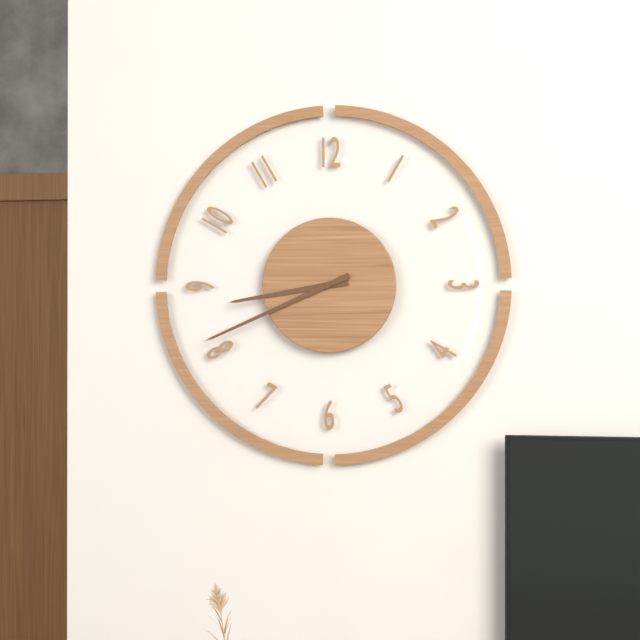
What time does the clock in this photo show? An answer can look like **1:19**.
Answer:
**8:41**
